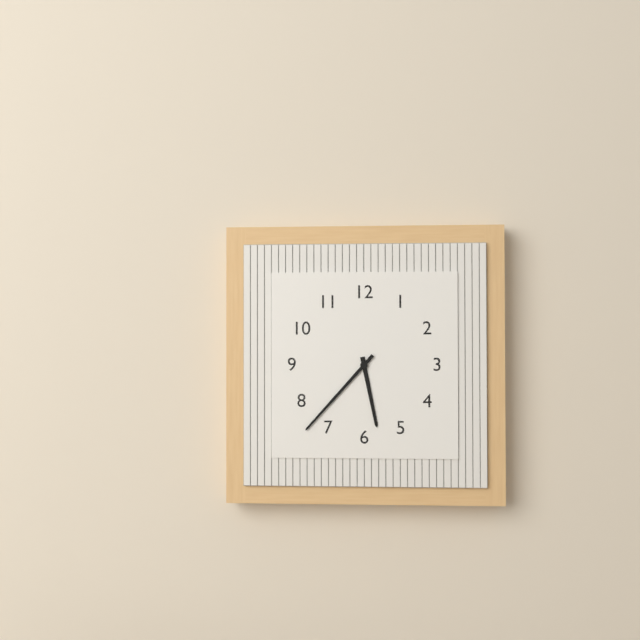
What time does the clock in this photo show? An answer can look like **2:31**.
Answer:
**5:37**
